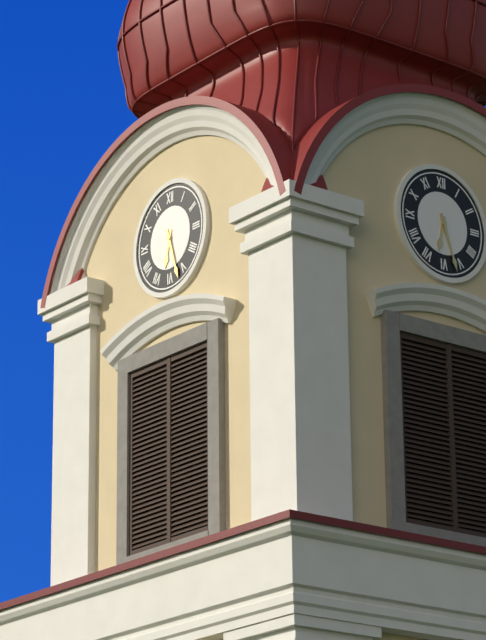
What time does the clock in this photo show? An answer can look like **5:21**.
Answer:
**6:27**
